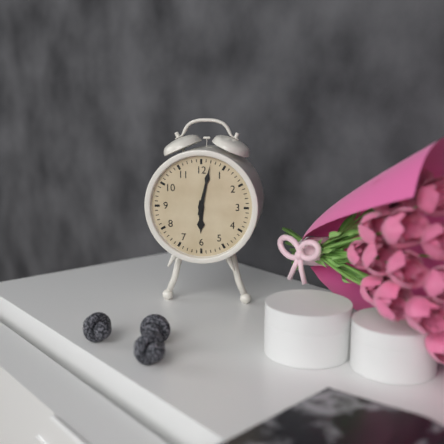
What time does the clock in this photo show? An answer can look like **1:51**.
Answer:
**6:02**
